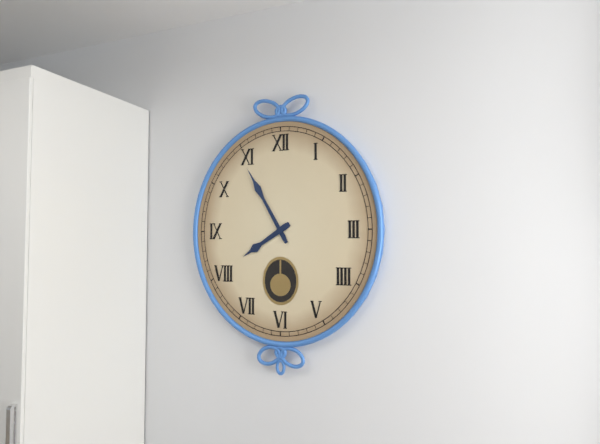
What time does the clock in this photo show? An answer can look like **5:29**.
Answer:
**7:55**
